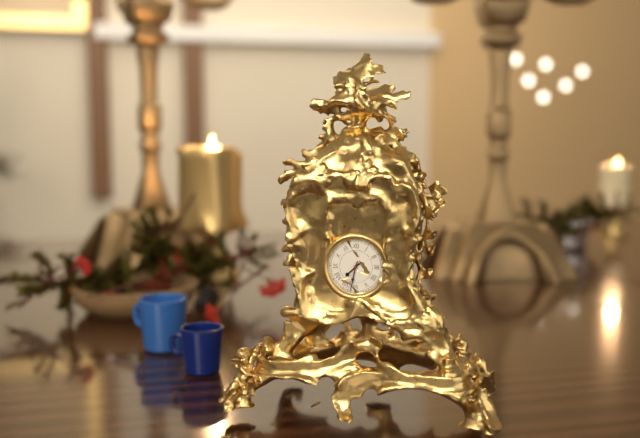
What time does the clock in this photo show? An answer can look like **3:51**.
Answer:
**7:32**
